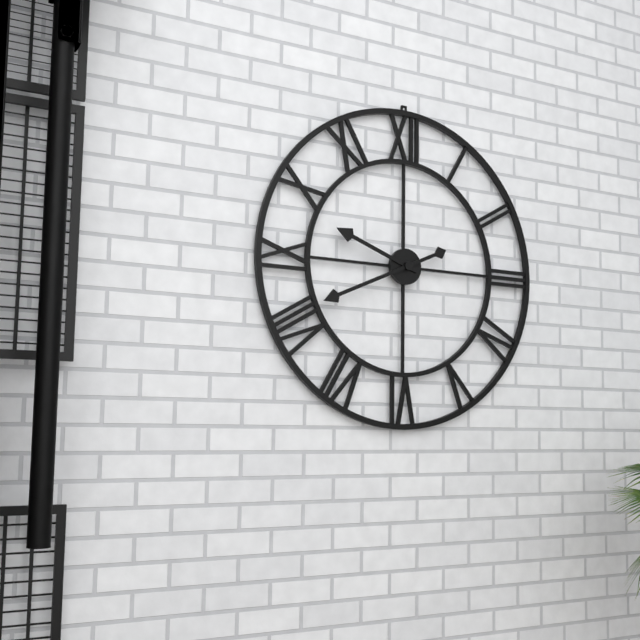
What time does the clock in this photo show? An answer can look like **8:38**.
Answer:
**9:41**
